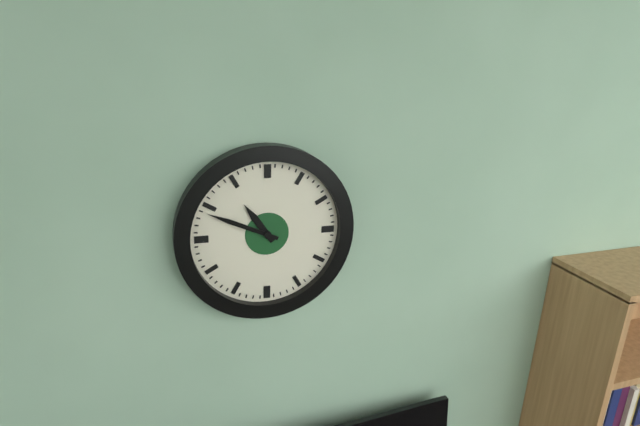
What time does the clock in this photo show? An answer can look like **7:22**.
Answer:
**10:49**
